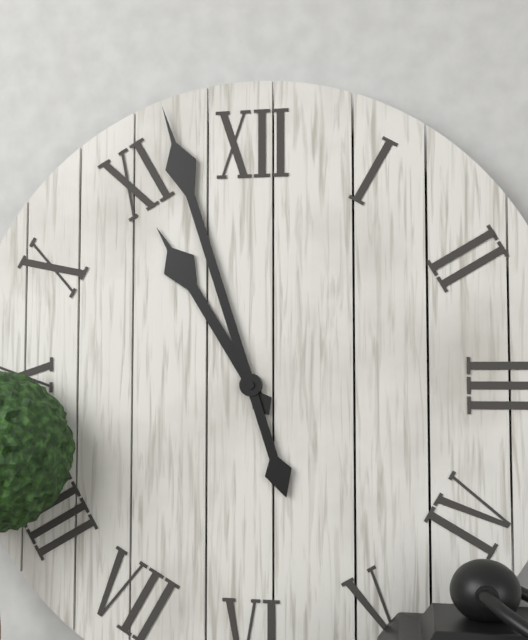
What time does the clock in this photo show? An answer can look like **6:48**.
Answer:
**10:57**
